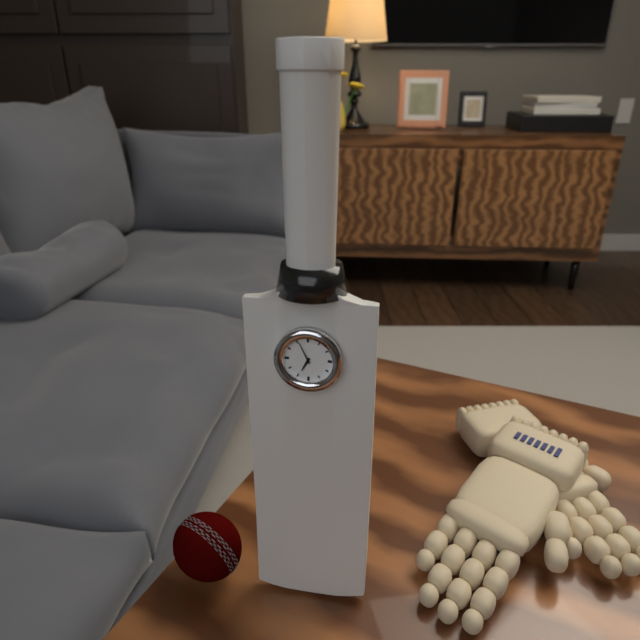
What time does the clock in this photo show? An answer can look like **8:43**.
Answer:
**6:56**
